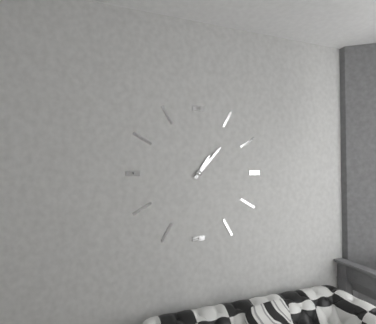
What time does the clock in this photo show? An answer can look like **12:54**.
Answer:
**1:07**
